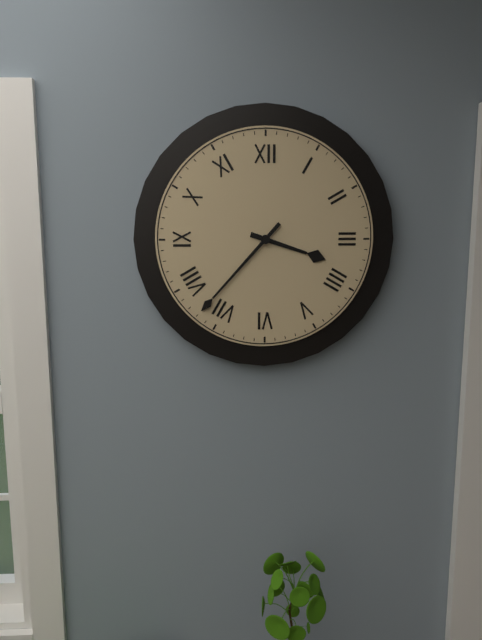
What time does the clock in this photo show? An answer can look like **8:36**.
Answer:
**3:37**
